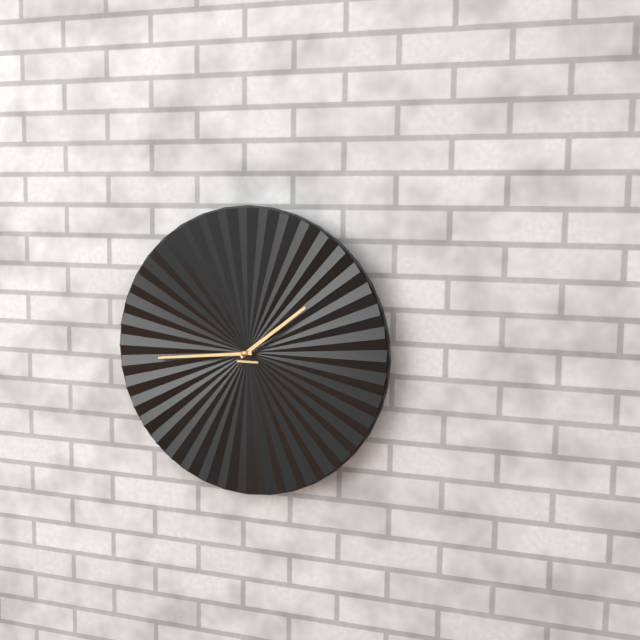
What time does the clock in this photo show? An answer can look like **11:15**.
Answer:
**1:44**
